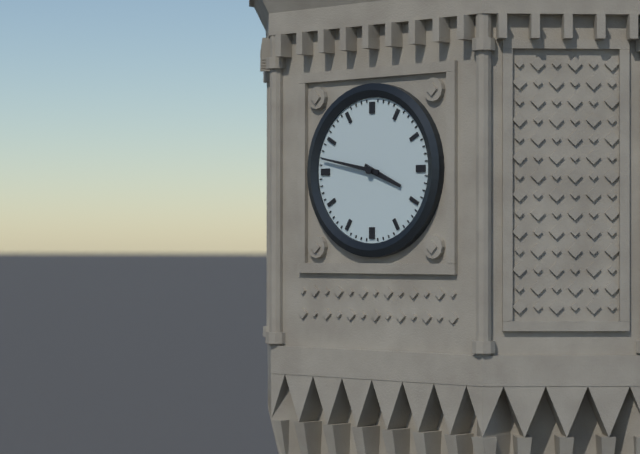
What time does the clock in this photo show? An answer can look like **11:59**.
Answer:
**3:47**
